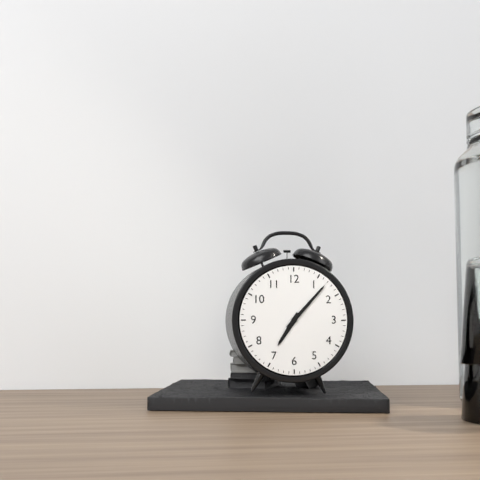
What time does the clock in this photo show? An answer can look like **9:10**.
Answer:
**7:07**
